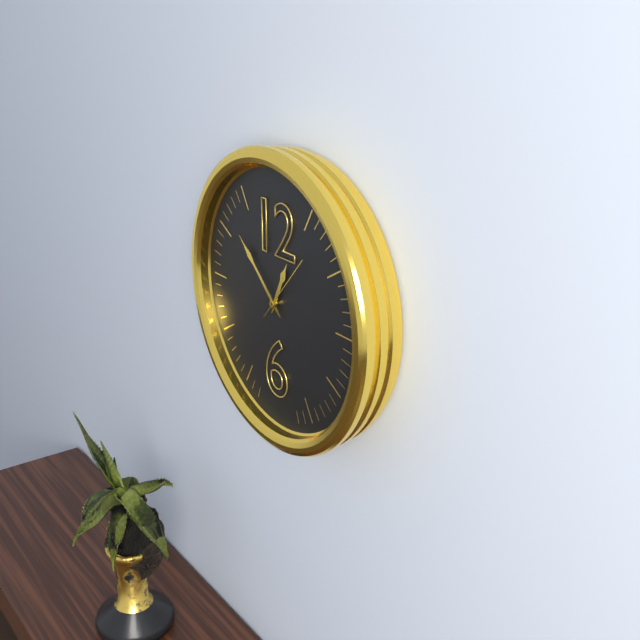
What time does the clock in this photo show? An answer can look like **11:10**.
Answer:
**12:52**
